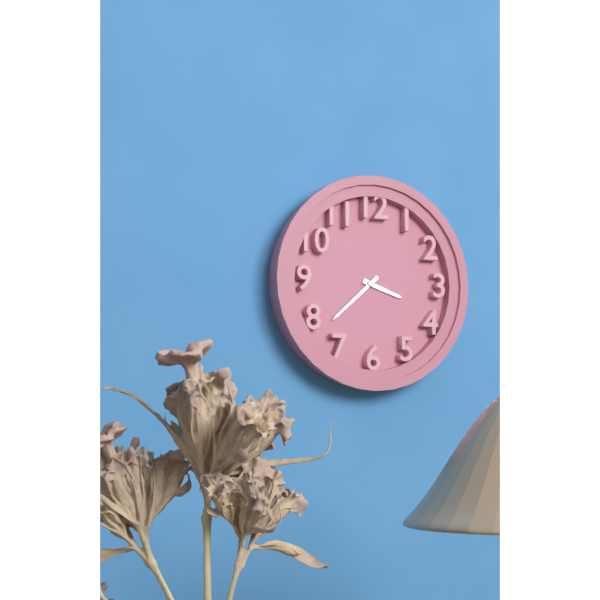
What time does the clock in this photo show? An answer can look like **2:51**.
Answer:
**3:38**
